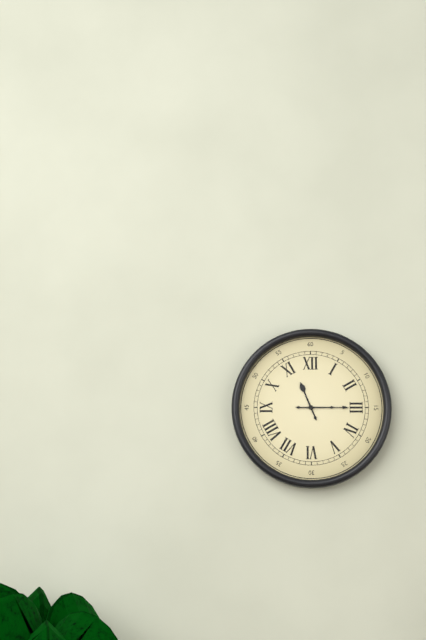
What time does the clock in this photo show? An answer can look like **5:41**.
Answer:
**11:15**
